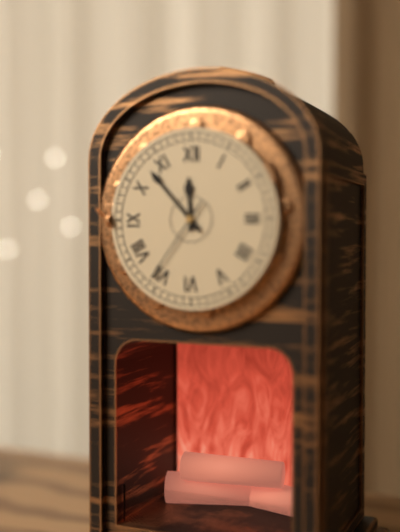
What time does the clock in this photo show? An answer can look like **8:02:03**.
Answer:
**11:53:36**
